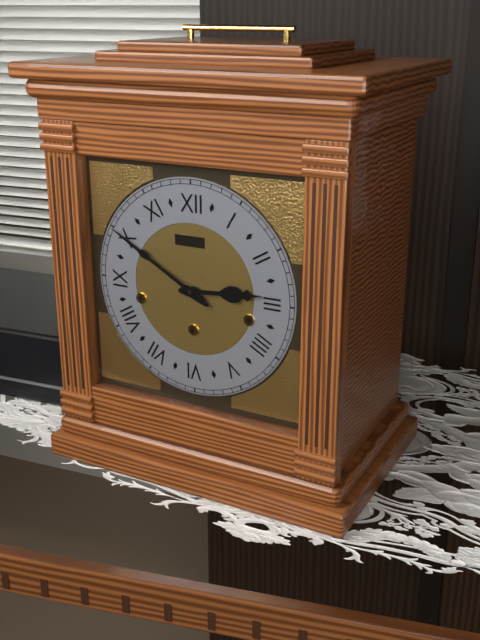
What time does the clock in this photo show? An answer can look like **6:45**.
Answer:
**2:50**
